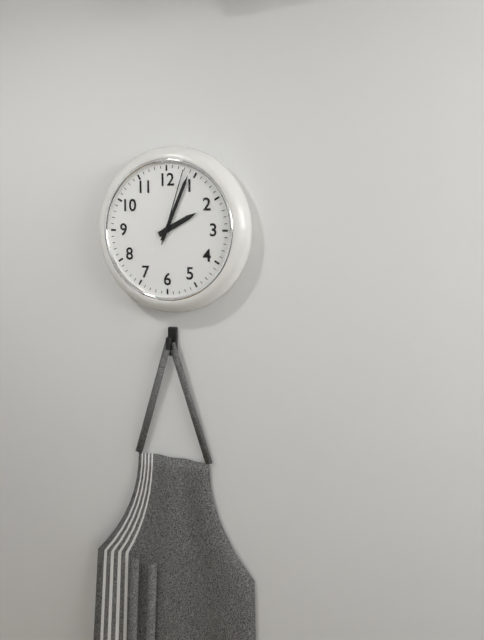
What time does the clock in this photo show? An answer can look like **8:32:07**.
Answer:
**2:04:03**
